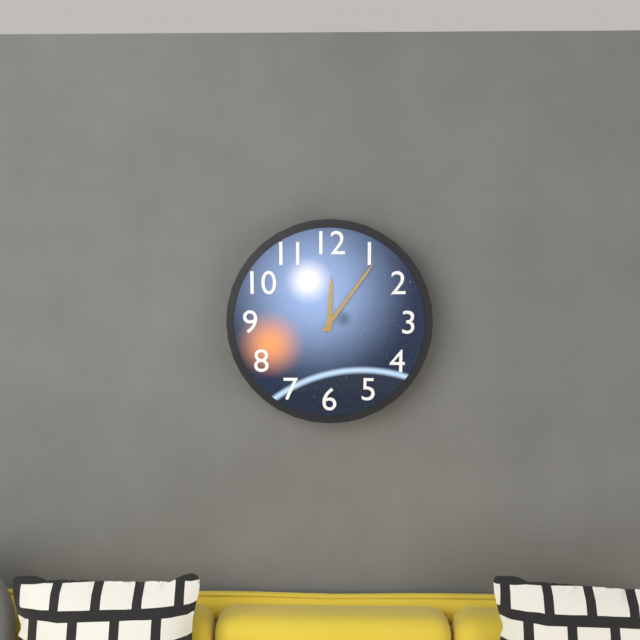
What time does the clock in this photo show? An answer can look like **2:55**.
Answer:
**12:06**
